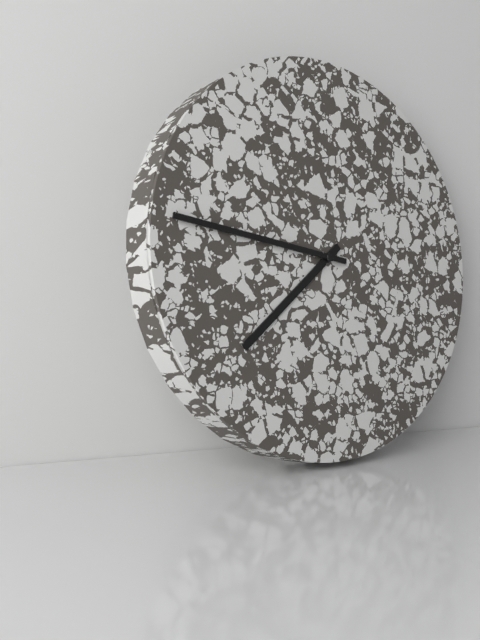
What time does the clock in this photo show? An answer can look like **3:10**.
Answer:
**7:47**
